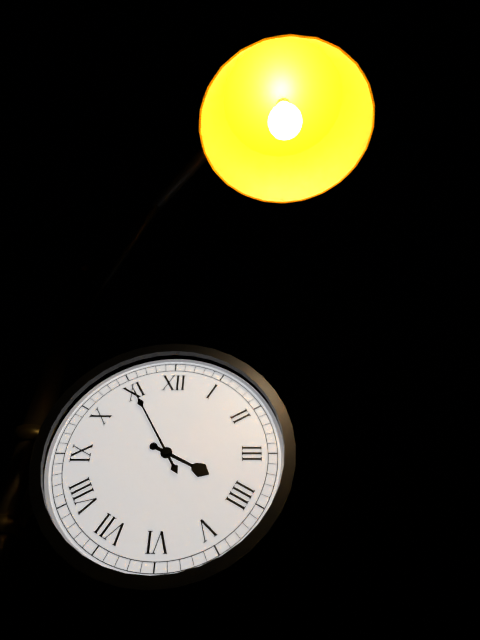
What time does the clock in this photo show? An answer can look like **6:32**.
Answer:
**3:55**
